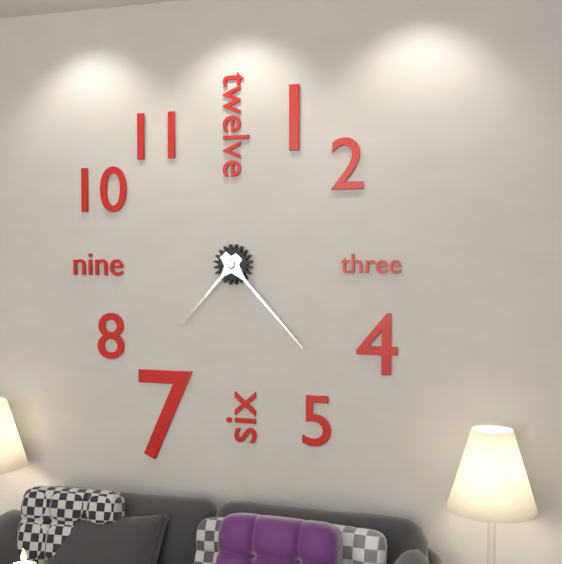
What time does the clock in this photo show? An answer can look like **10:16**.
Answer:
**7:23**
